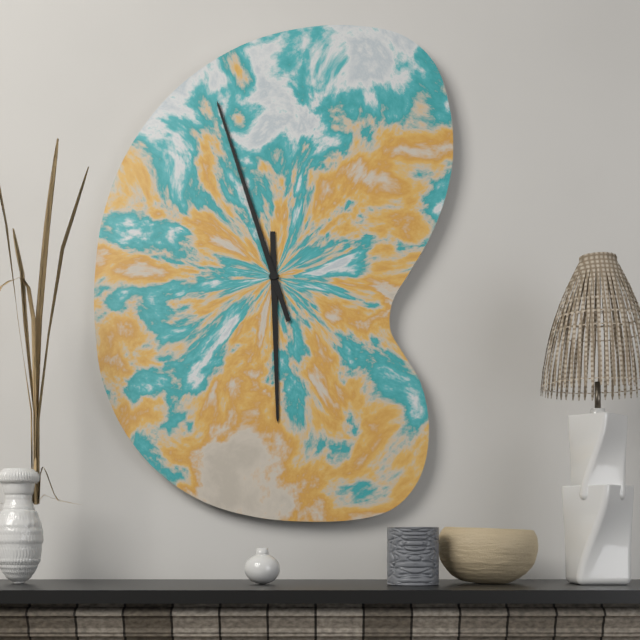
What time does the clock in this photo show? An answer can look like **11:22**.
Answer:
**5:57**
